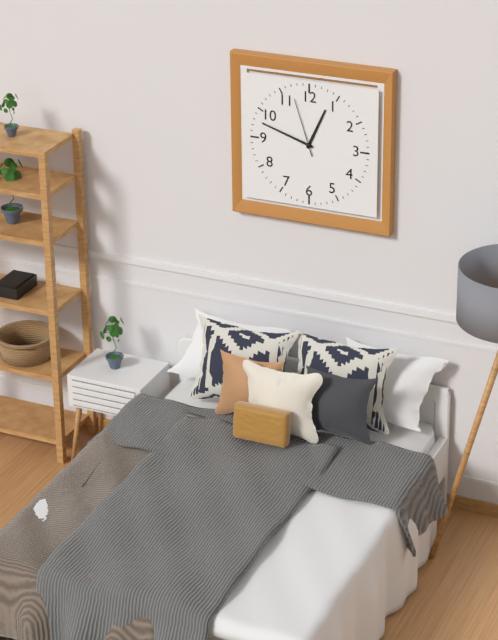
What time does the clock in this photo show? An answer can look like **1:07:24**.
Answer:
**12:48:57**
